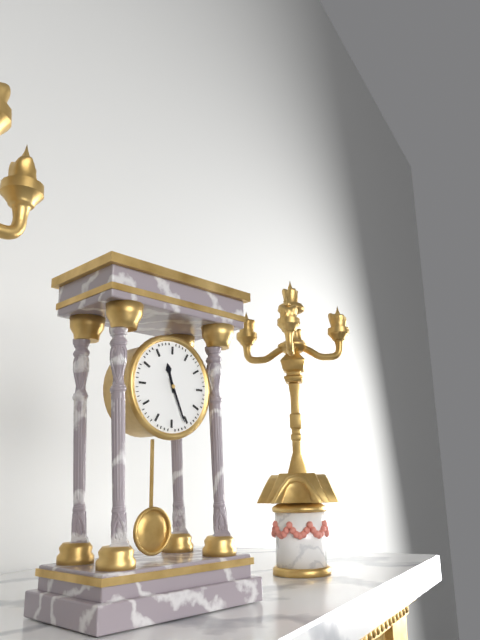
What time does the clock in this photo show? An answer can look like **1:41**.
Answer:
**11:26**
